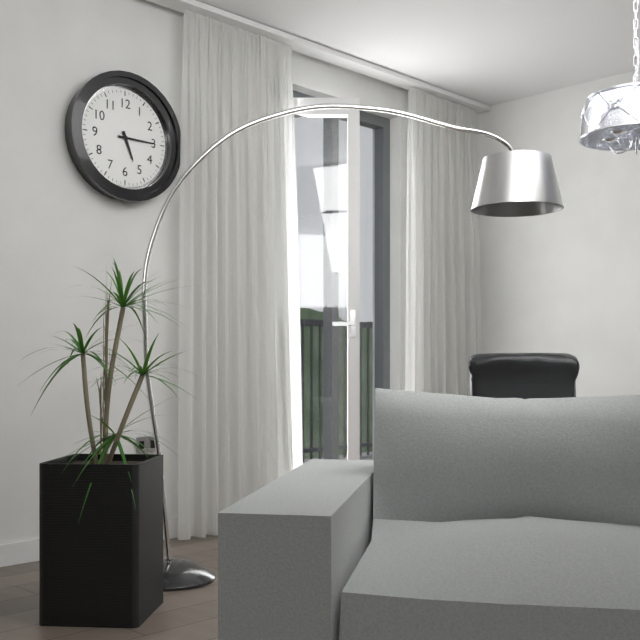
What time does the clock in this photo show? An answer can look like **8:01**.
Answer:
**5:15**
